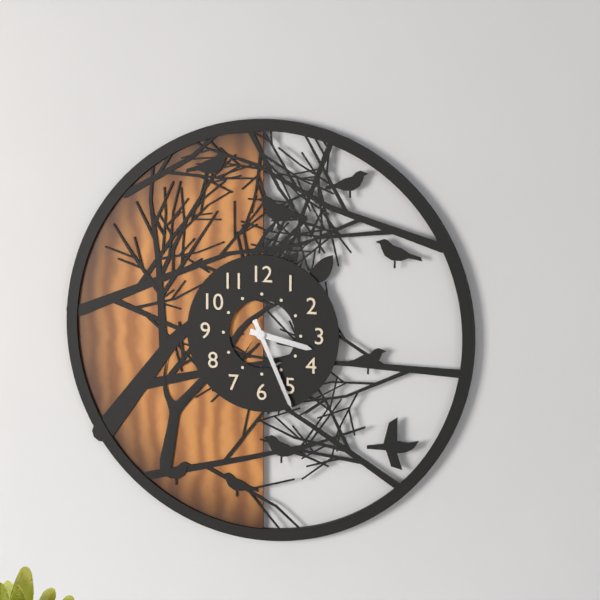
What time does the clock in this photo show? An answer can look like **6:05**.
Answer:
**3:26**
